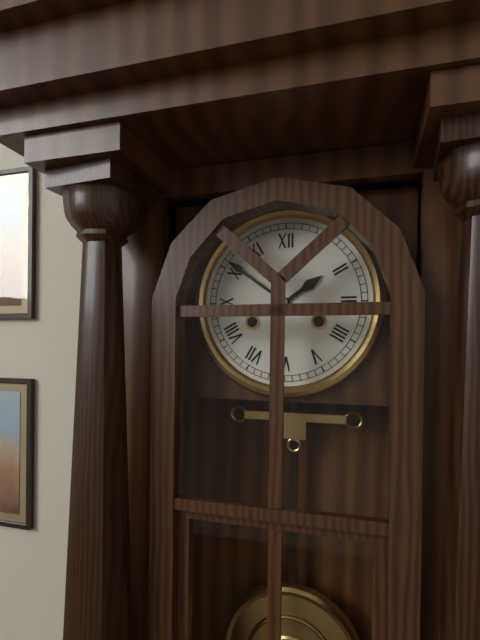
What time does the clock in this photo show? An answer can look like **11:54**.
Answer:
**1:51**
